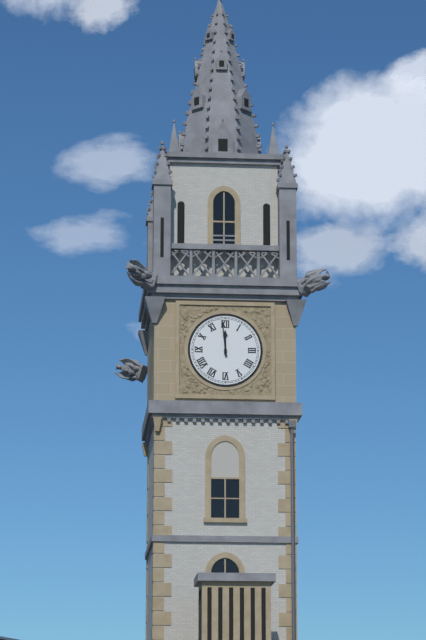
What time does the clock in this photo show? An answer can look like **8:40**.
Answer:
**11:59**
